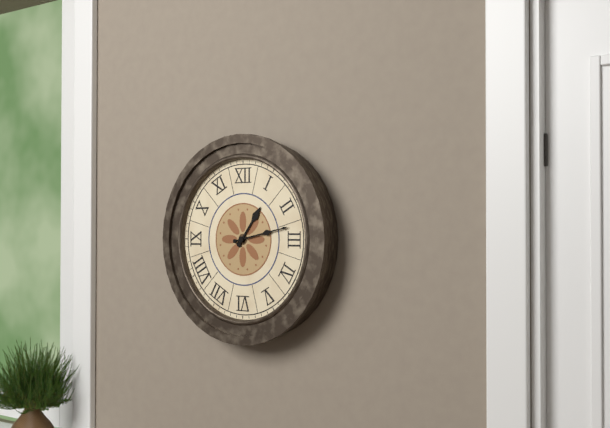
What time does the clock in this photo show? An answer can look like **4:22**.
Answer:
**1:13**
